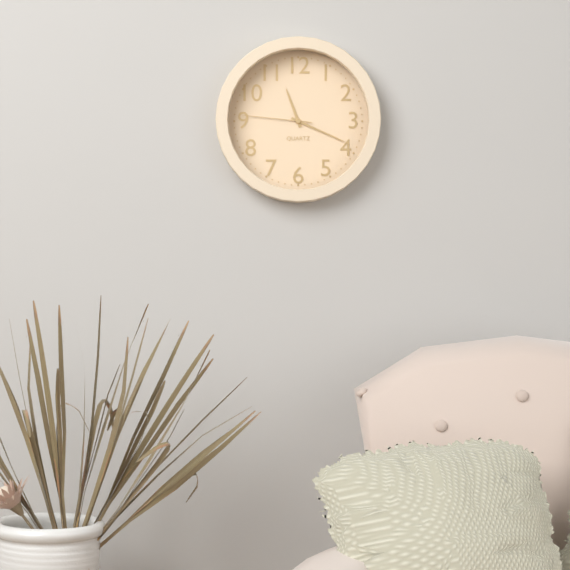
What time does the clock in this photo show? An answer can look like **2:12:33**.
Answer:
**11:19:46**
